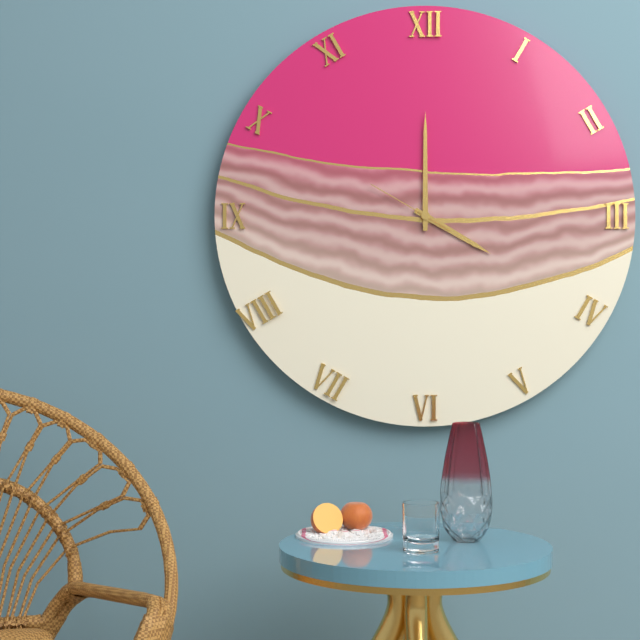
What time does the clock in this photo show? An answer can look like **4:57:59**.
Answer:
**4:00:50**
